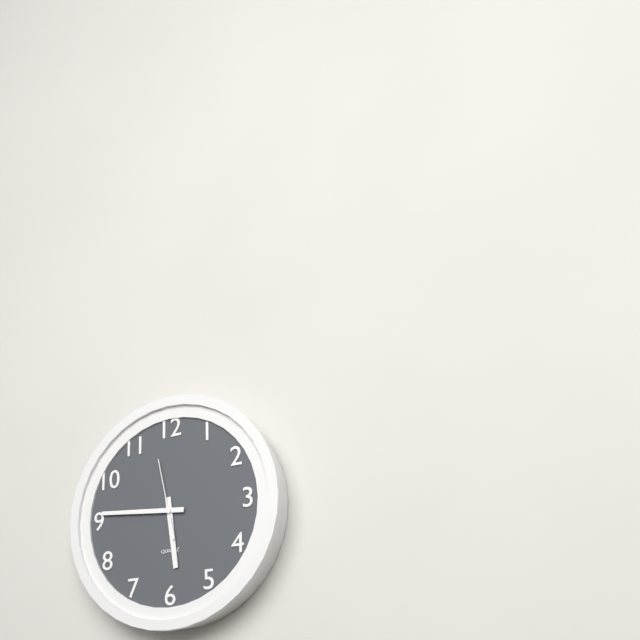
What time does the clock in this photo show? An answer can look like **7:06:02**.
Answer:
**5:46:58**
